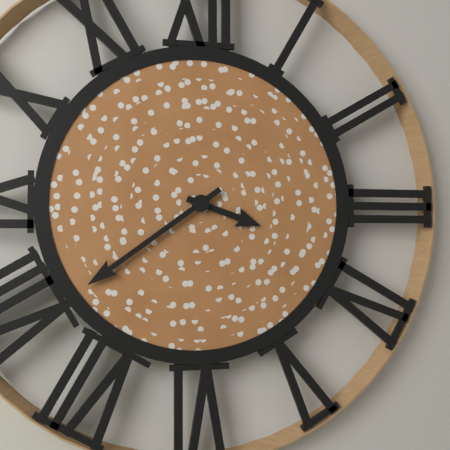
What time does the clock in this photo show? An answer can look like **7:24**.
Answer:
**3:39**
